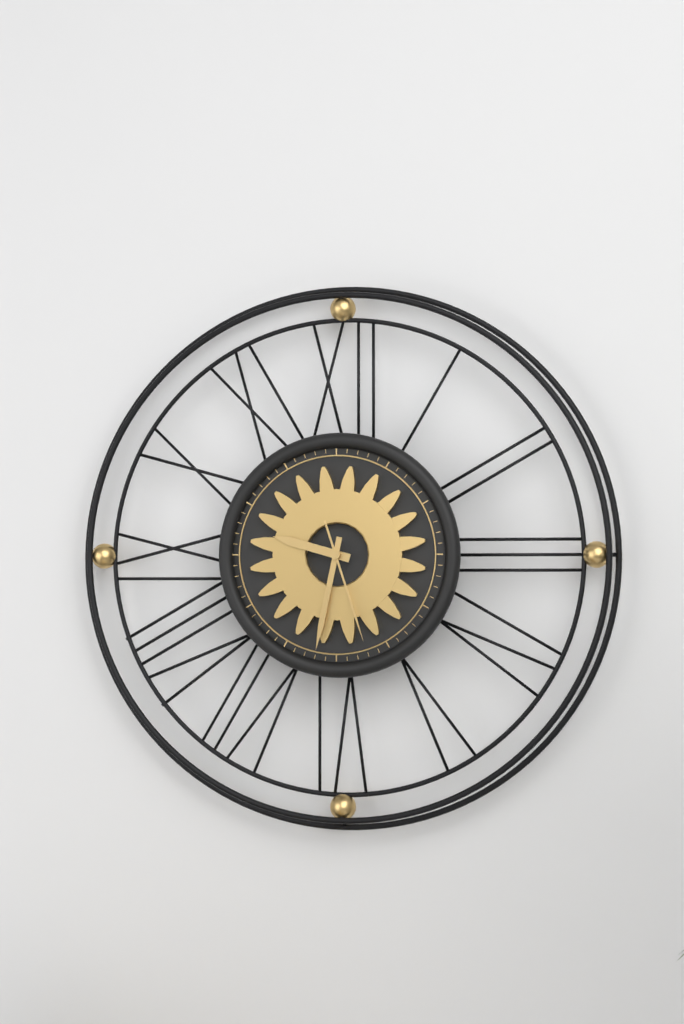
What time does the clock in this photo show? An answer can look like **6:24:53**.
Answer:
**9:32:27**
